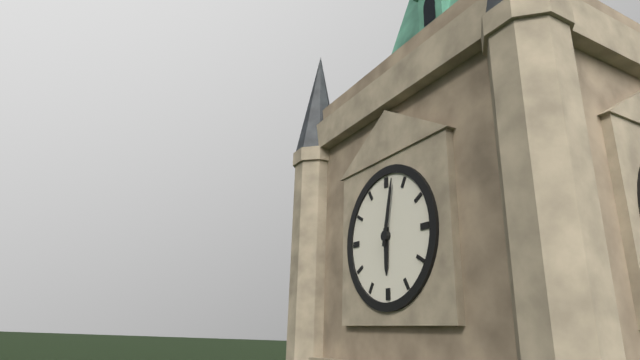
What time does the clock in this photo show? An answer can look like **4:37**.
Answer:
**6:02**
